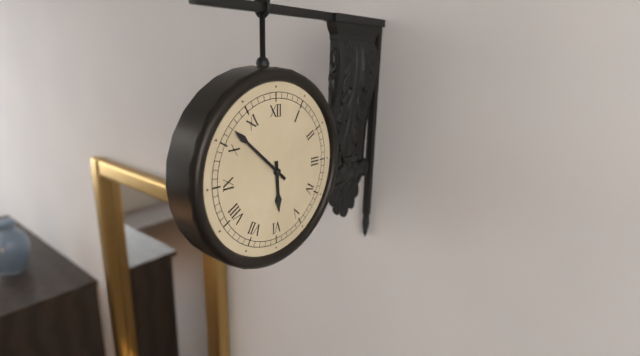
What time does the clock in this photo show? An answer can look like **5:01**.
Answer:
**5:52**
